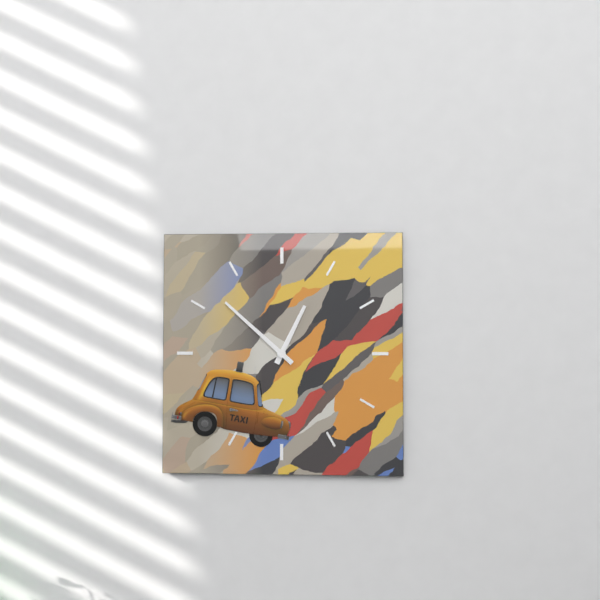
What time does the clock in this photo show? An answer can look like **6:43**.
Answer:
**12:52**
